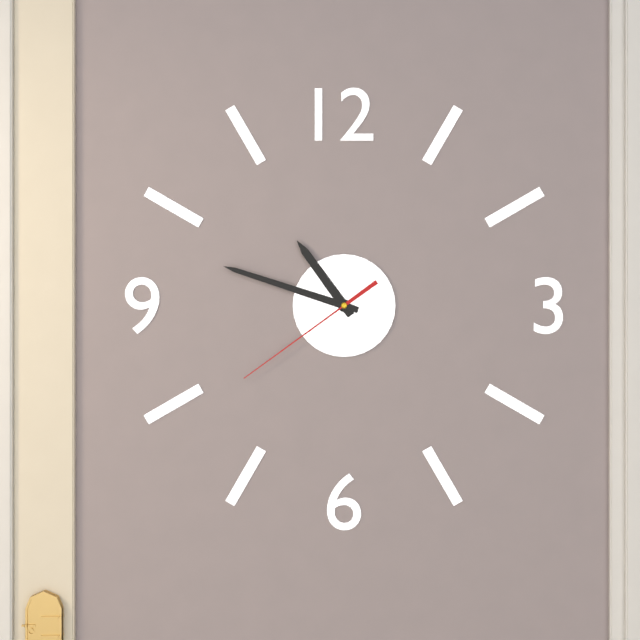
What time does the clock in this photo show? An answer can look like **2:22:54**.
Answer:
**10:48:39**
